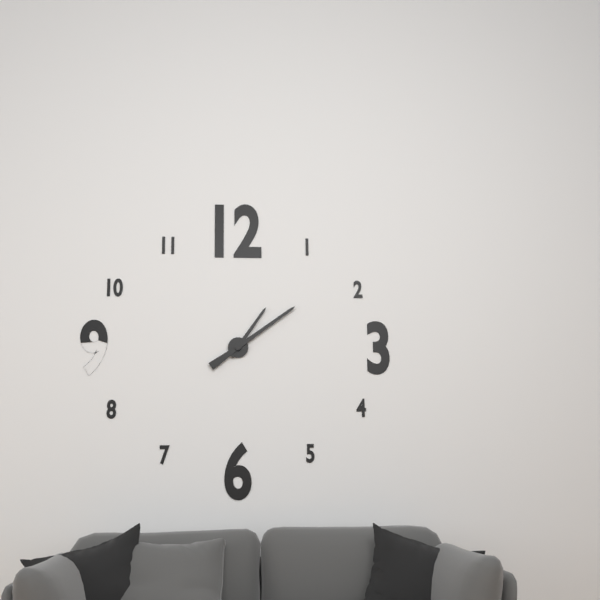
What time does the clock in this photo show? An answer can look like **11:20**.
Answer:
**1:09**
